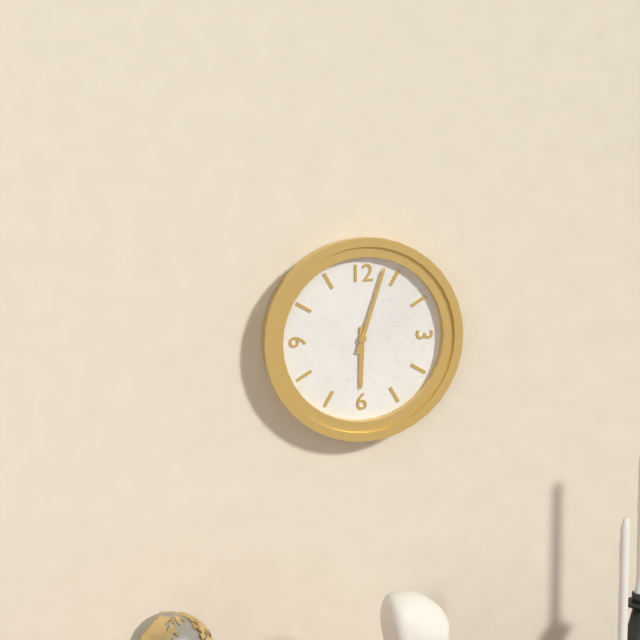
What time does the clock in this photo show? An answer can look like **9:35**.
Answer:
**6:03**
